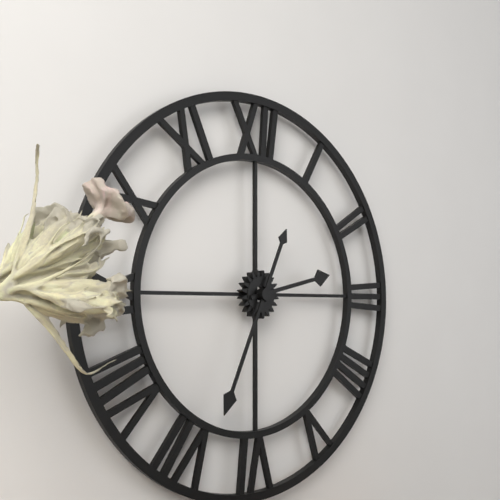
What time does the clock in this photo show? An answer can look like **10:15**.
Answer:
**2:34**
